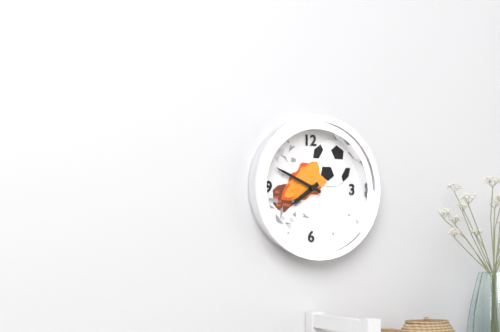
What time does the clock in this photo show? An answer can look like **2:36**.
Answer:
**7:49**
